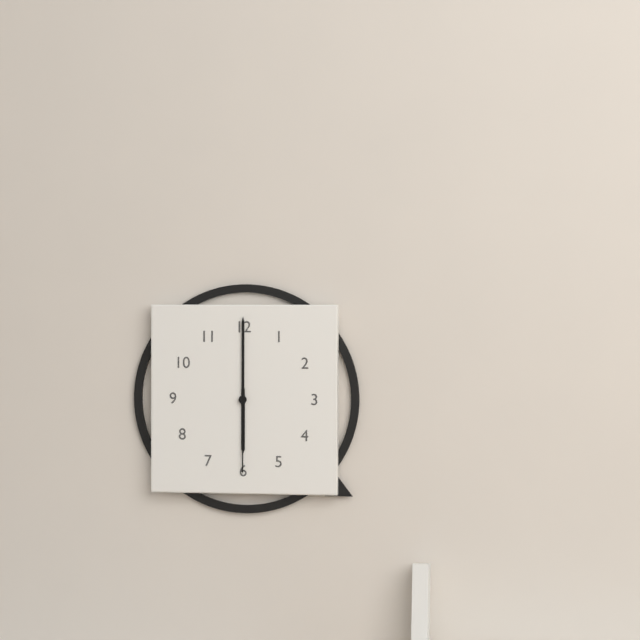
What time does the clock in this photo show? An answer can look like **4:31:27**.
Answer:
**6:00:30**
